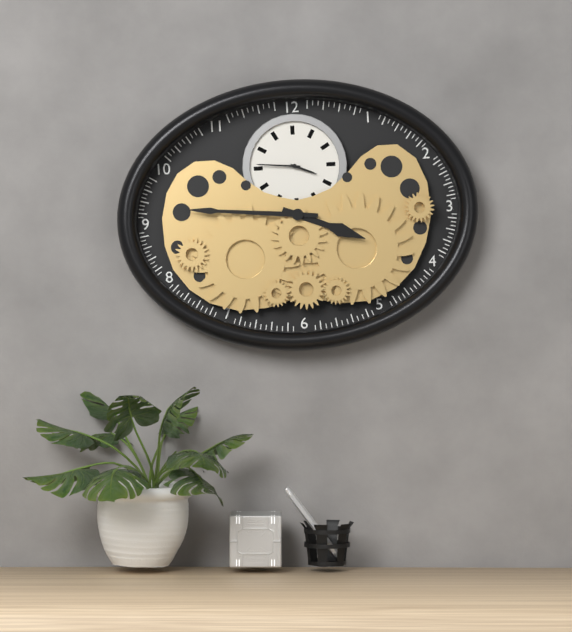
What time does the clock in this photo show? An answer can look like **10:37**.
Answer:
**3:46**
